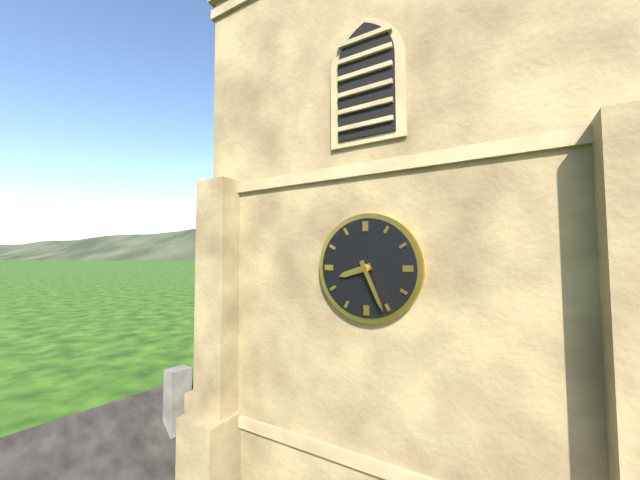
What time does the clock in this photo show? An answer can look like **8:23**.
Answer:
**8:26**
